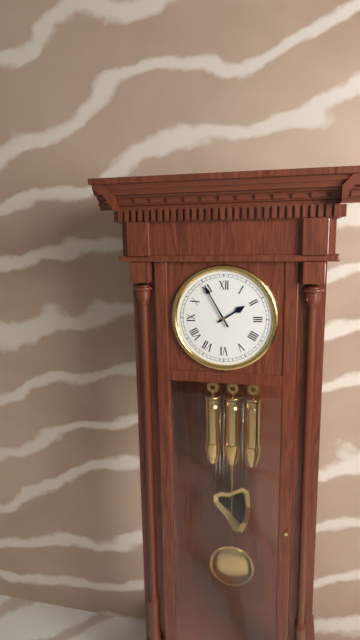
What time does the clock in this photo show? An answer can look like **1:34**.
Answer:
**1:55**
